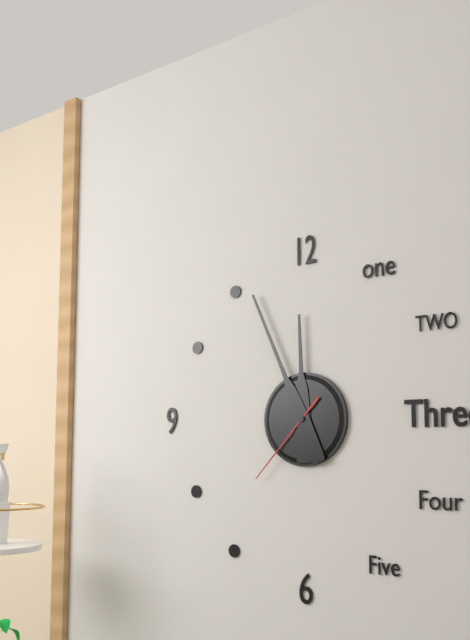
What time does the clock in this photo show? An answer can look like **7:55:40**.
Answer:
**11:56:37**
